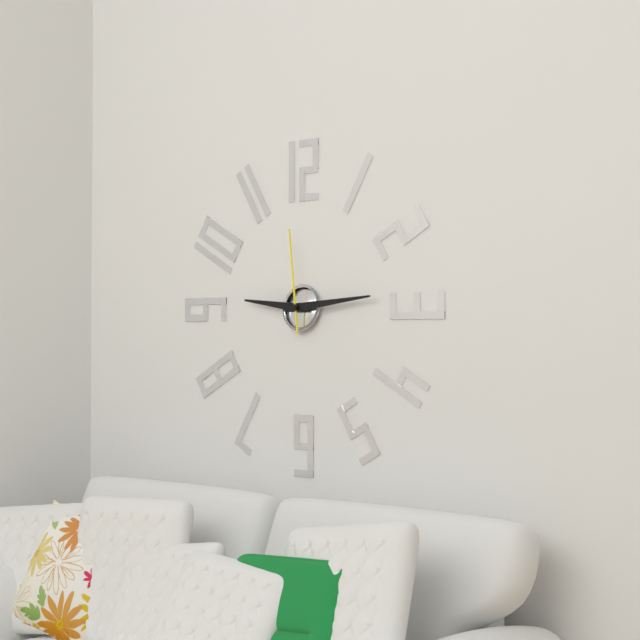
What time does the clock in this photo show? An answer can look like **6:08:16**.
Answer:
**9:14:59**
